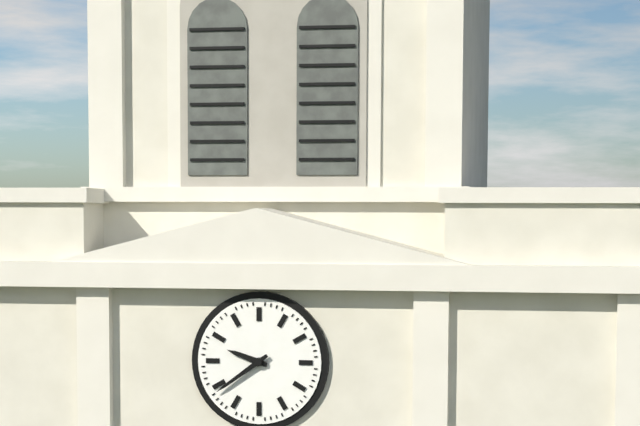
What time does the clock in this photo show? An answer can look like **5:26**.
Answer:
**9:39**
